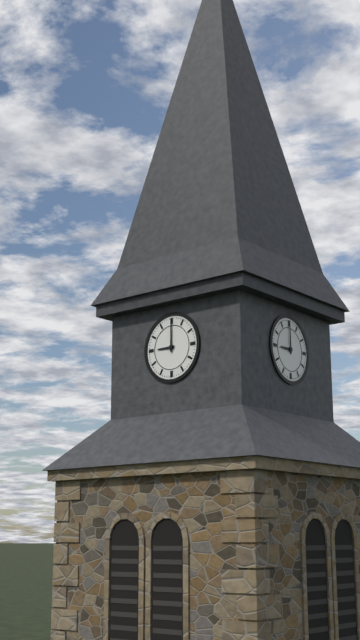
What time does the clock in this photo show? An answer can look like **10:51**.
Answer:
**9:00**
